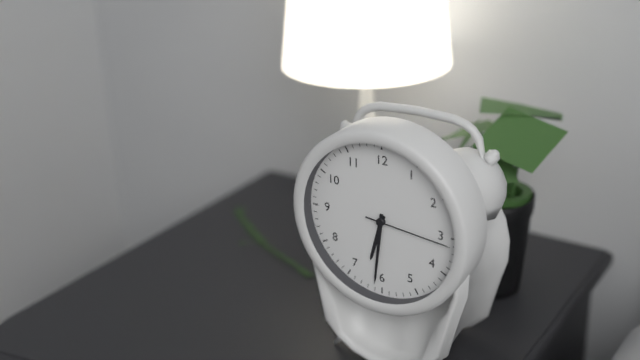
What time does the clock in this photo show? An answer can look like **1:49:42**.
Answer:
**6:31:16**
